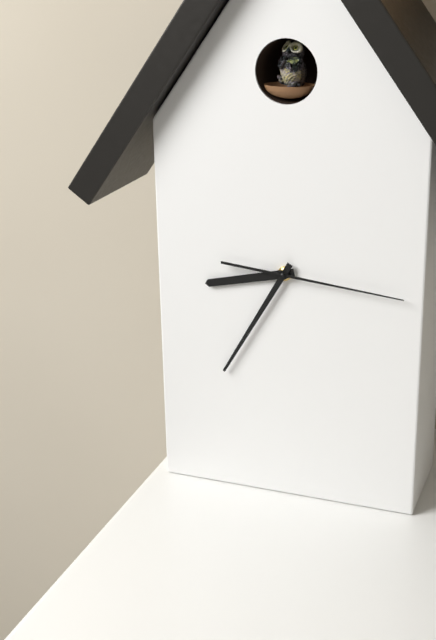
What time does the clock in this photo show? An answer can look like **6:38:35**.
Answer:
**8:35:16**
